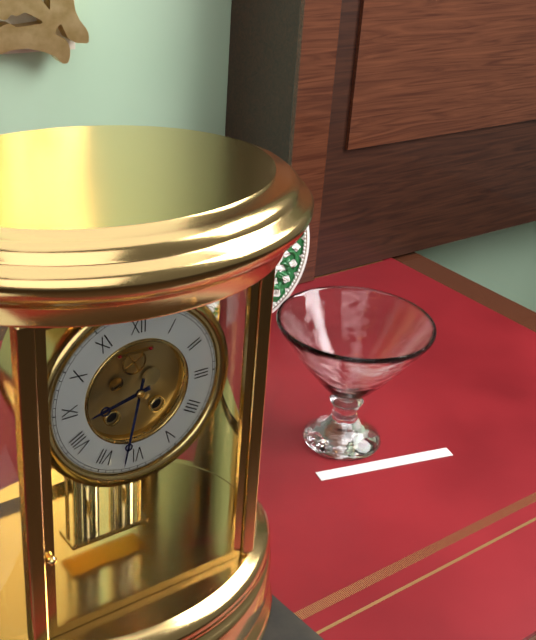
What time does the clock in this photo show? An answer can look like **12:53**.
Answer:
**8:32**
